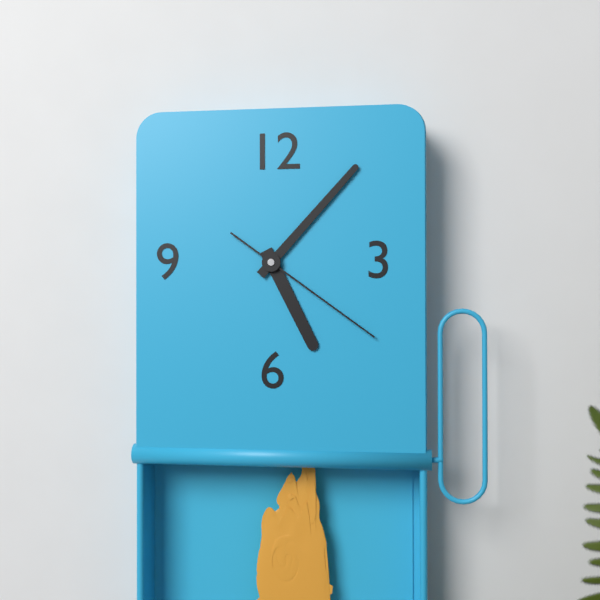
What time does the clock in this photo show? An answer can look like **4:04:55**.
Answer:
**5:07:21**
